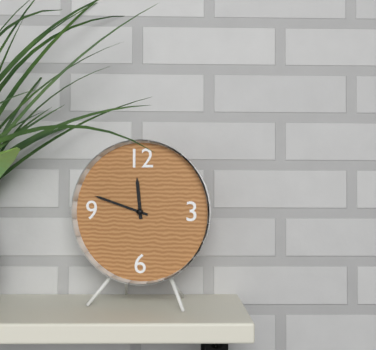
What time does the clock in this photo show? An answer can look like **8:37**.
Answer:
**11:48**
